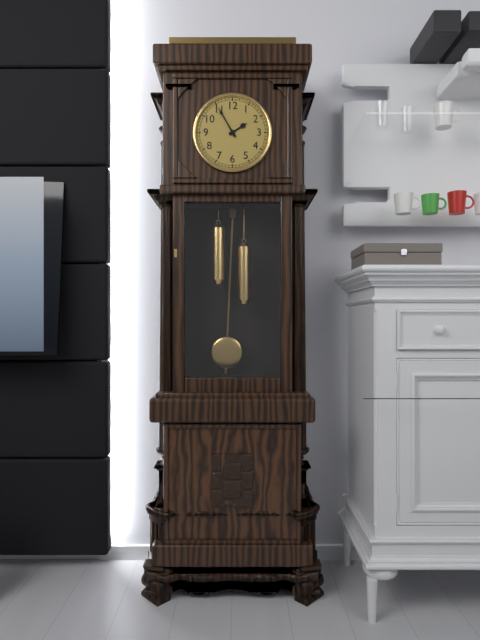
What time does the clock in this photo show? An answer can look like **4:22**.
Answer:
**1:55**
